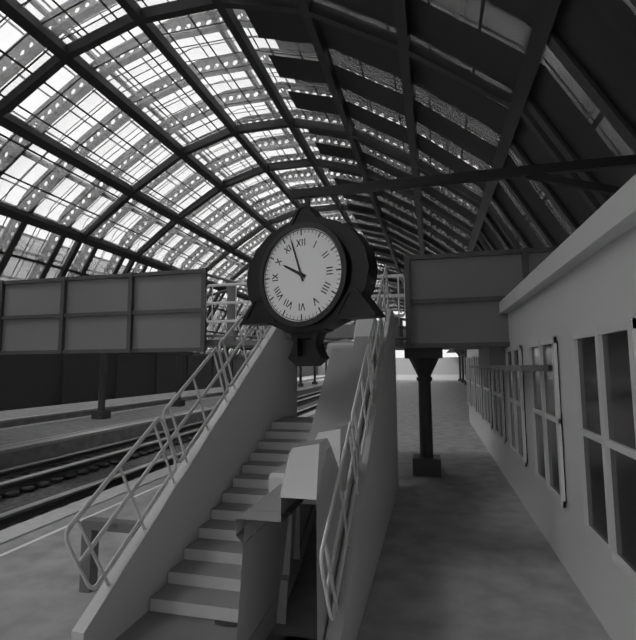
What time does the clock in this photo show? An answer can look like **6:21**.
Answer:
**9:57**
